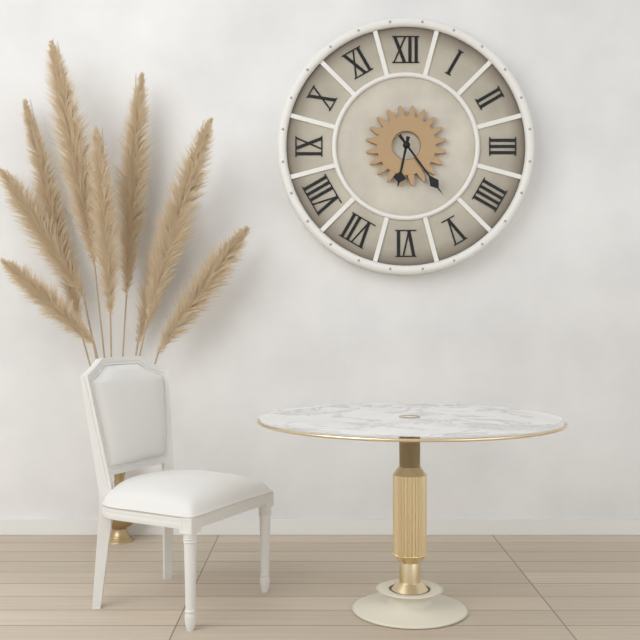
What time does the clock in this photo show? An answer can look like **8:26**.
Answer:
**6:24**
